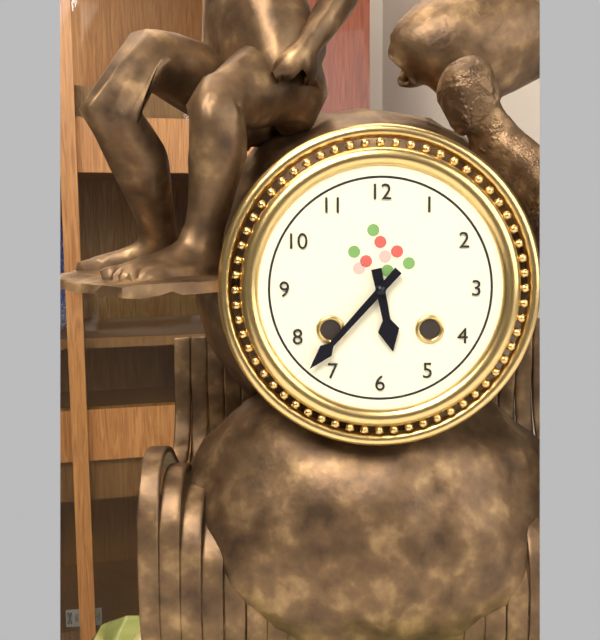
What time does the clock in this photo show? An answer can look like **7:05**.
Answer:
**5:37**
